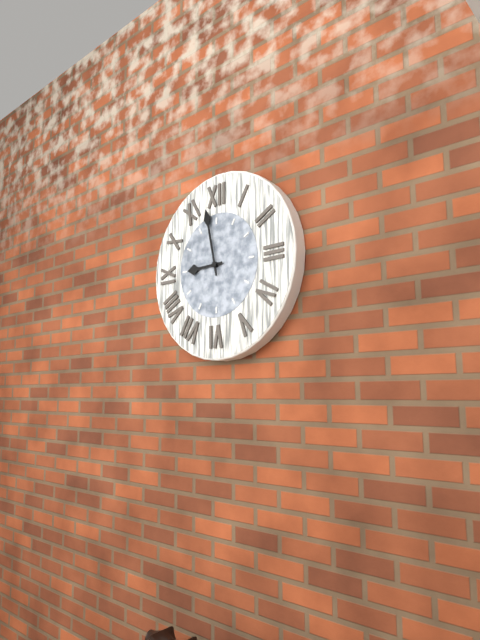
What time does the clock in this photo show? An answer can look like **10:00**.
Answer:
**8:58**
